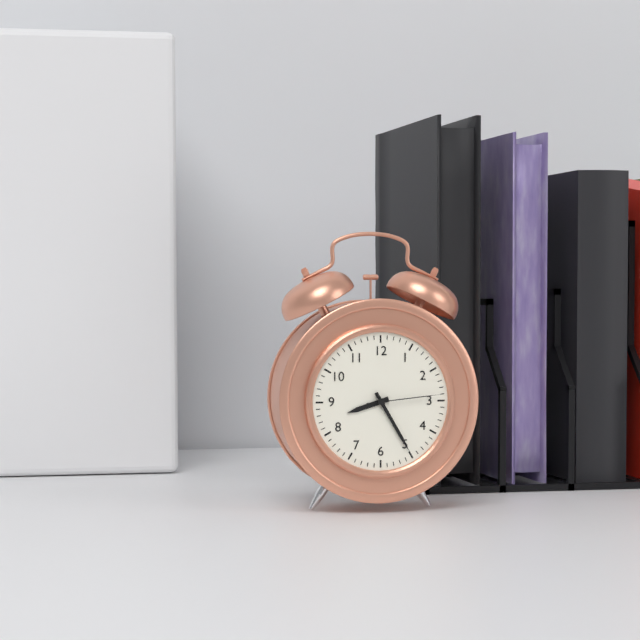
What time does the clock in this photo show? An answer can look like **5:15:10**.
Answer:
**8:25:14**
